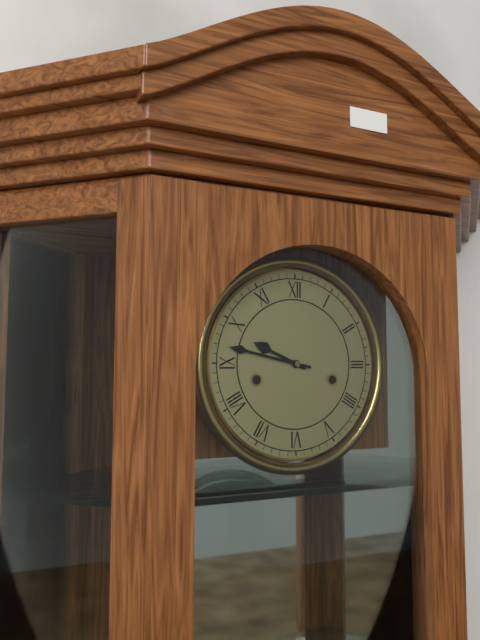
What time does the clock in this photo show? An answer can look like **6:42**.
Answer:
**9:47**
